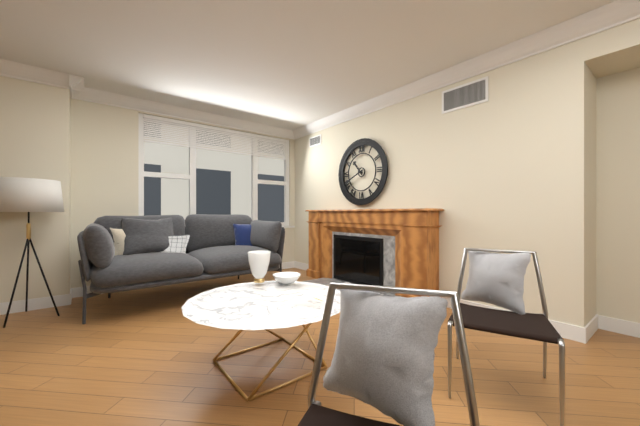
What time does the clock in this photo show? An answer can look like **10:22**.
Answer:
**10:41**
